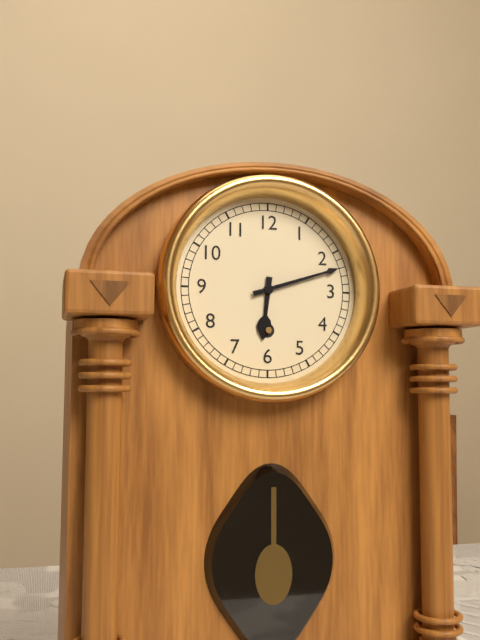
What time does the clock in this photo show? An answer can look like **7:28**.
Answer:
**6:12**
